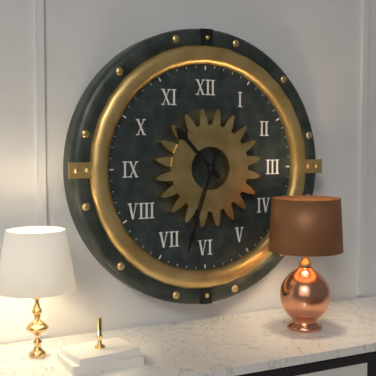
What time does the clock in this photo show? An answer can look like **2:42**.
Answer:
**10:33**
